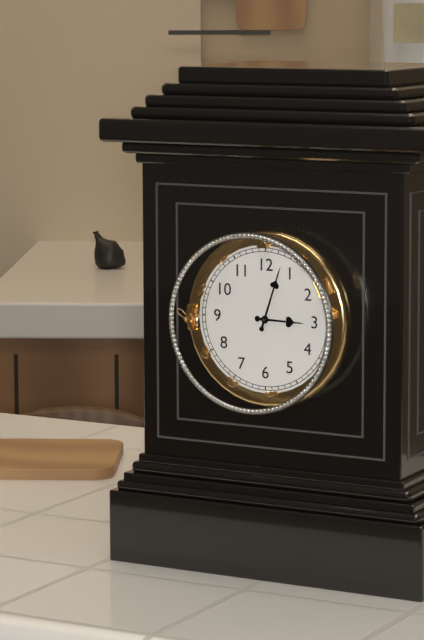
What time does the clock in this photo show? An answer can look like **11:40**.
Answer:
**3:03**
